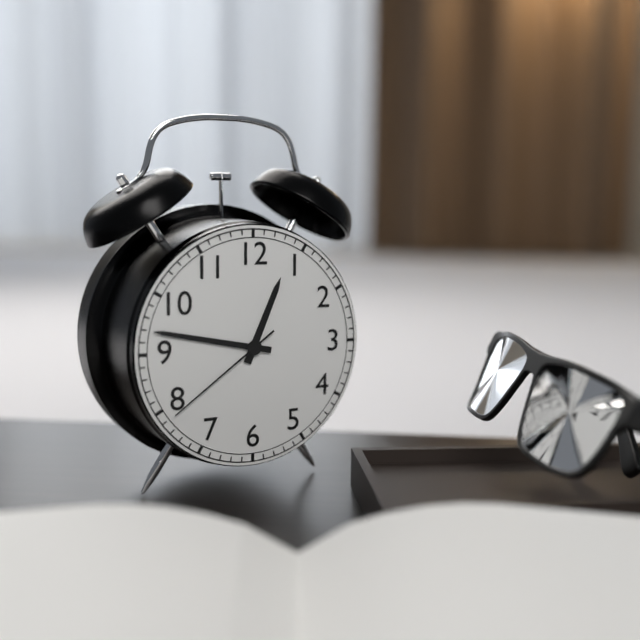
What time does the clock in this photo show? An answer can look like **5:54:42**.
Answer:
**12:47:39**
